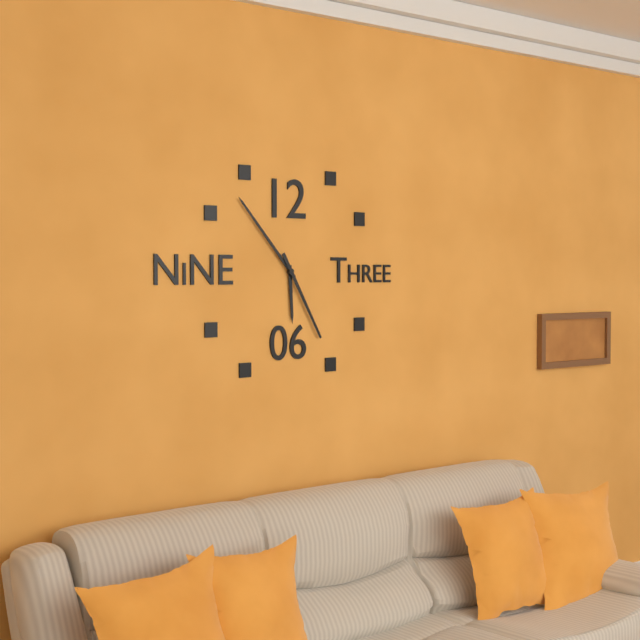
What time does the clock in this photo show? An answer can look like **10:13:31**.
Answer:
**5:53:25**
